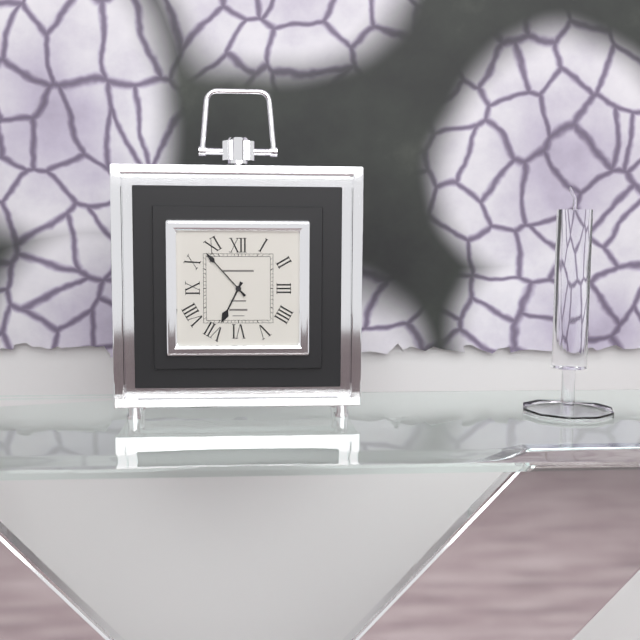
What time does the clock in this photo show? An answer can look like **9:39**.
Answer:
**6:53**
